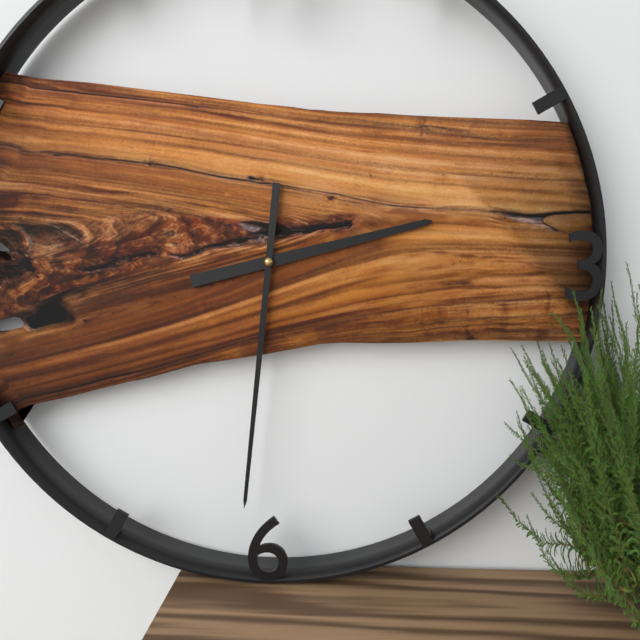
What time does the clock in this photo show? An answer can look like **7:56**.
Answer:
**2:31**
